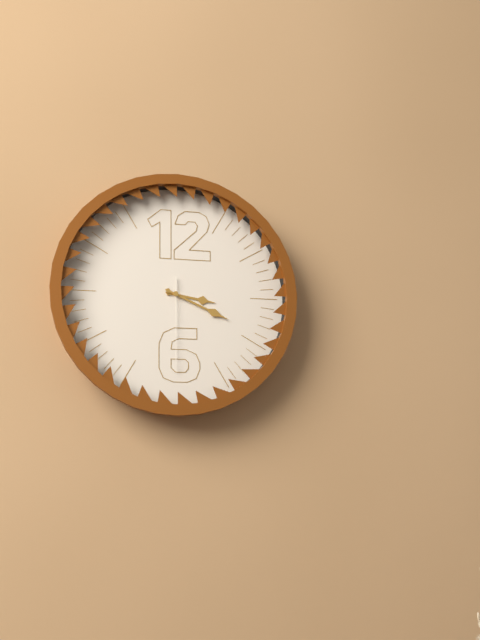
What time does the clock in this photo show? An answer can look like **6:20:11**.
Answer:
**3:19:30**
